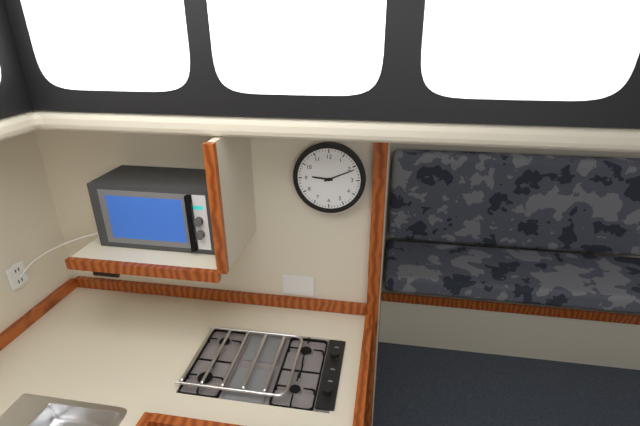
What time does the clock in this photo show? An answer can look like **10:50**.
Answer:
**9:11**
